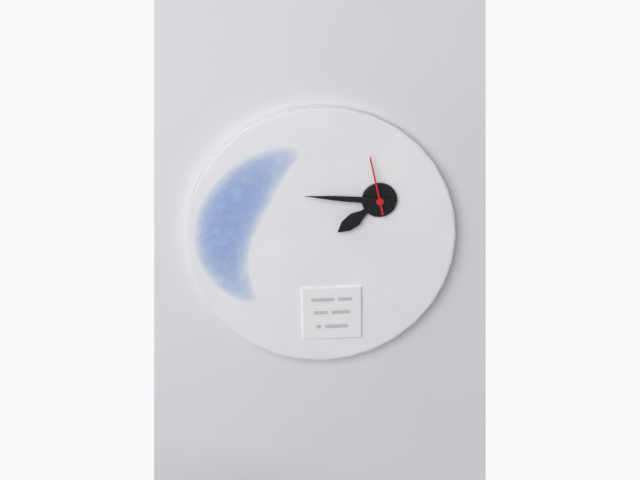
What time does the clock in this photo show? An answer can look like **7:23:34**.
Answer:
**7:46:58**
